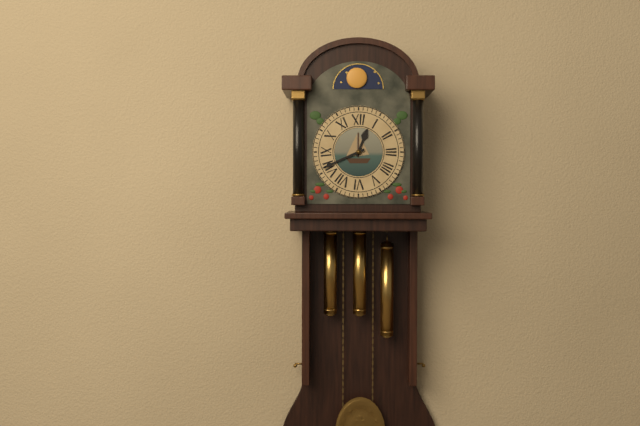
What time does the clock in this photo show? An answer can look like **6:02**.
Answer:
**12:41**
